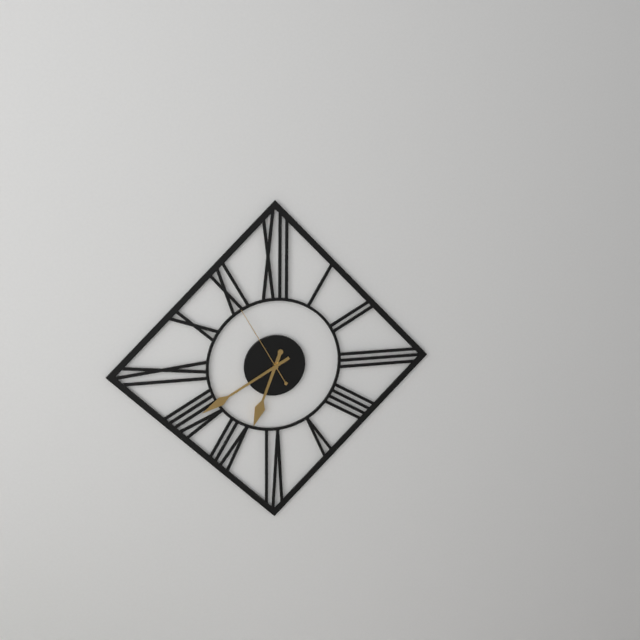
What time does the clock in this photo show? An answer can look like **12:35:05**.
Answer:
**6:40:55**
